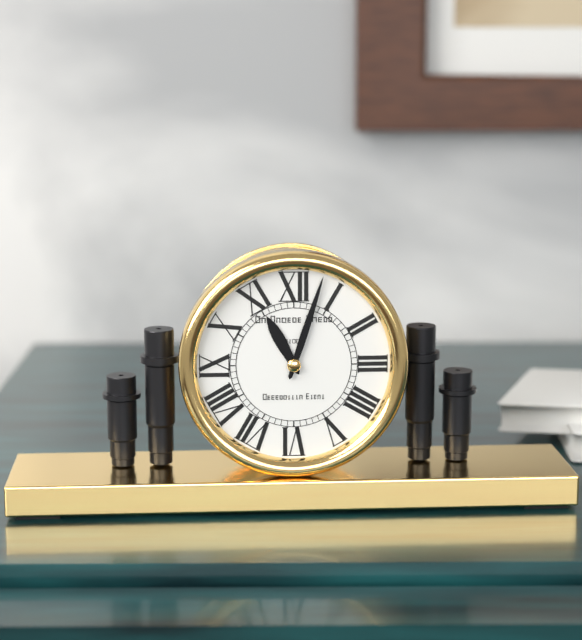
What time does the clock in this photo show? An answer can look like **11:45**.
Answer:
**11:03**
